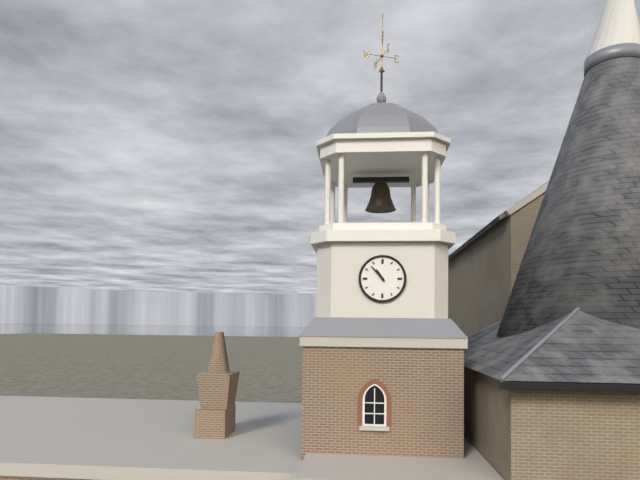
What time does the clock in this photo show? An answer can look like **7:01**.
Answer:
**10:53**
